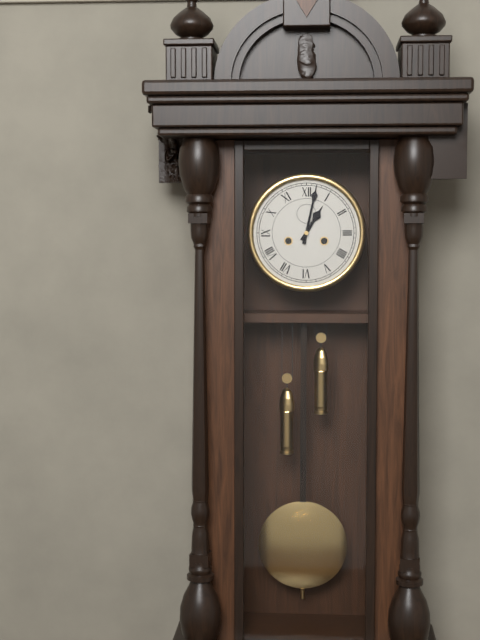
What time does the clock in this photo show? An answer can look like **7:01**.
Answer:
**1:02**
